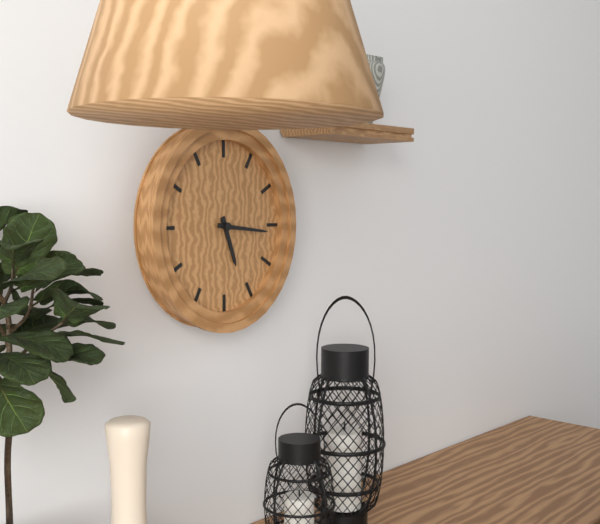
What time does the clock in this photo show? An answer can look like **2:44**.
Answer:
**5:16**
